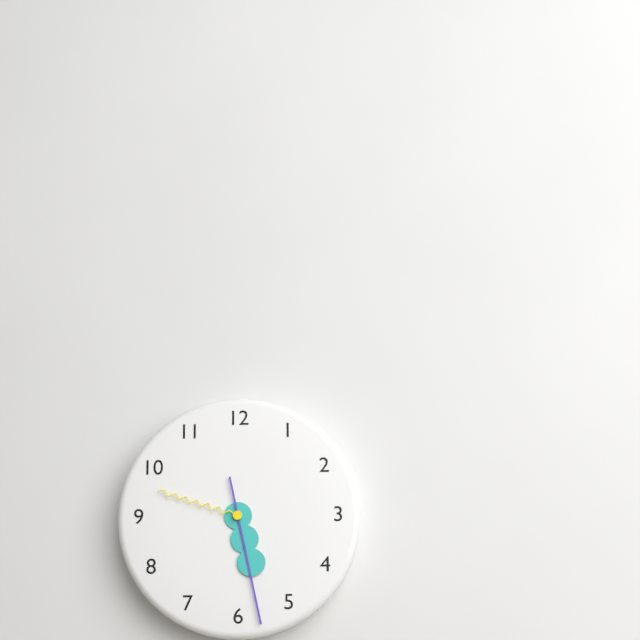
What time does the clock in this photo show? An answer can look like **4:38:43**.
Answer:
**5:28:48**
